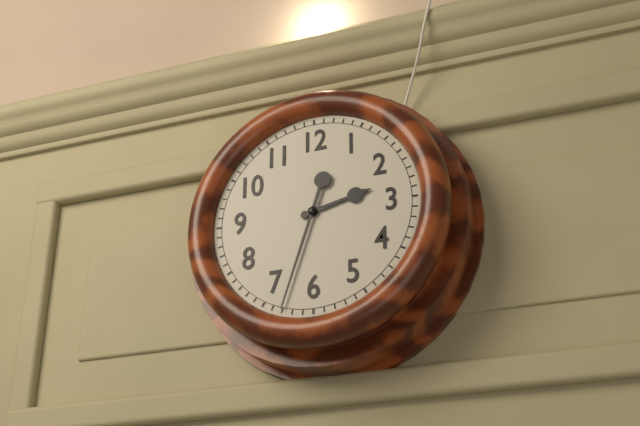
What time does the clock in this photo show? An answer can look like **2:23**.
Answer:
**2:33**
